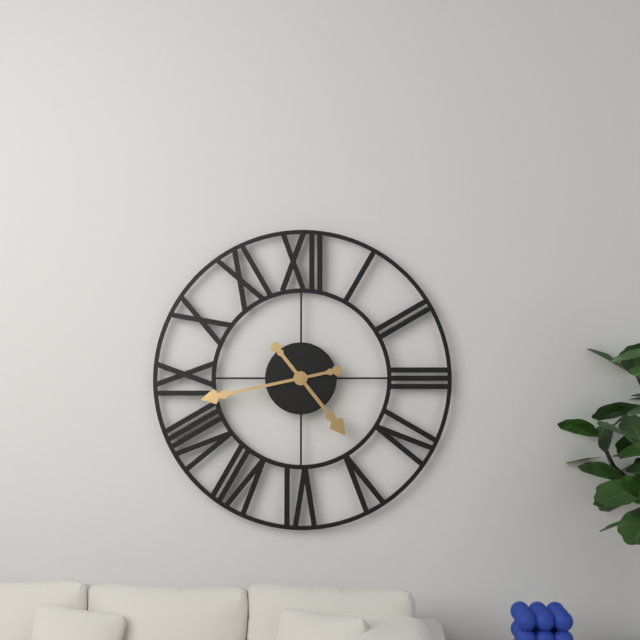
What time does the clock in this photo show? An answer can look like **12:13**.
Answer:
**4:43**
